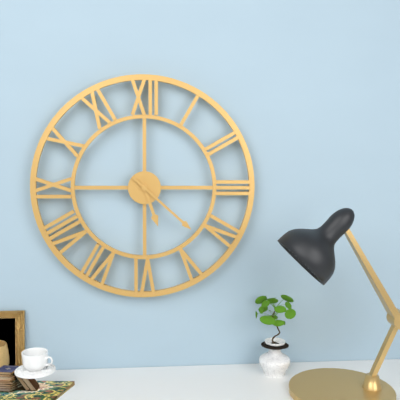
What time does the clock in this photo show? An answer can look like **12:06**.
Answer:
**5:22**
